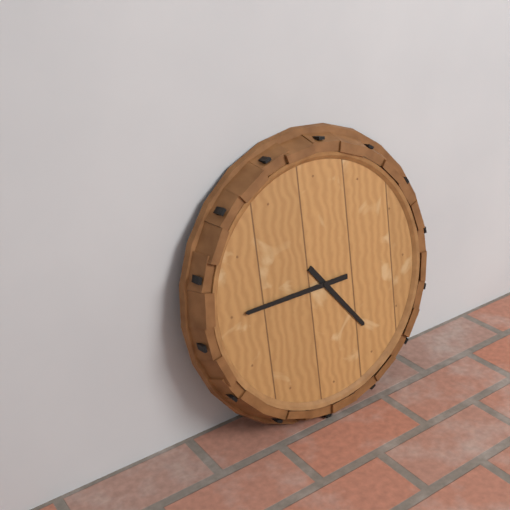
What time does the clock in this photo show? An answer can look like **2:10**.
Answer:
**4:45**
